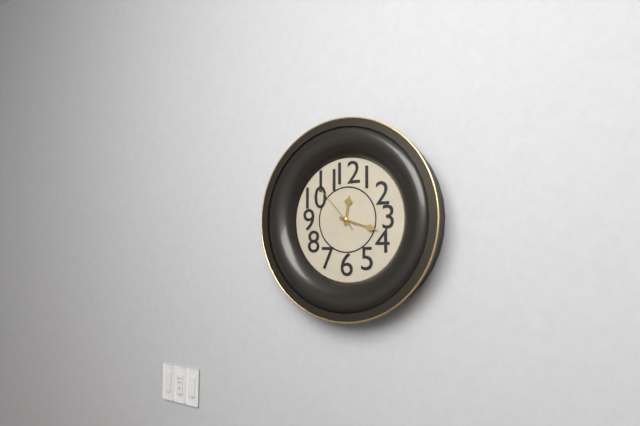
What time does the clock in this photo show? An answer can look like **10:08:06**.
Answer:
**12:18:53**
